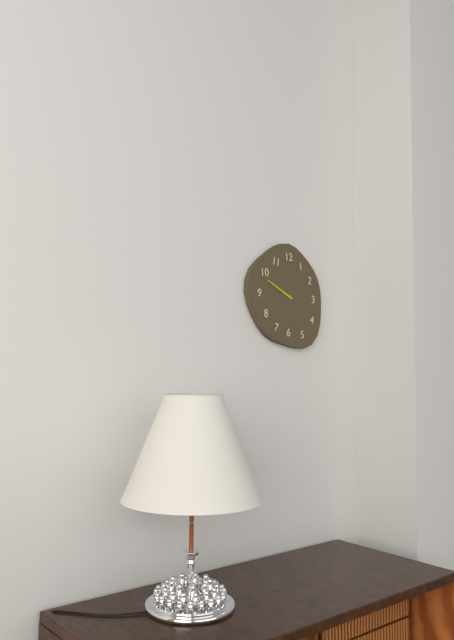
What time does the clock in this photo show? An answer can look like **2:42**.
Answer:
**9:49**
